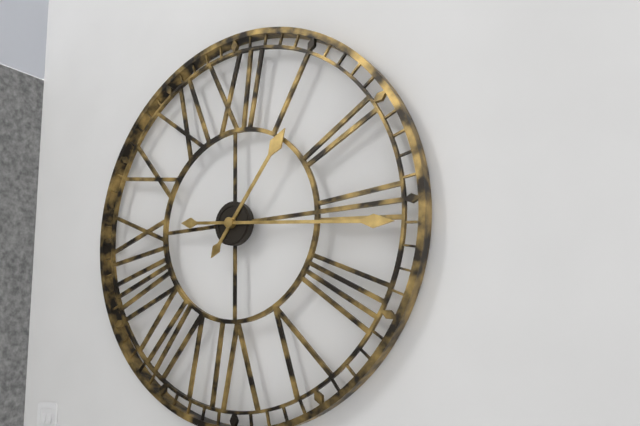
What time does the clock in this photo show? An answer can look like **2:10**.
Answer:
**1:16**
